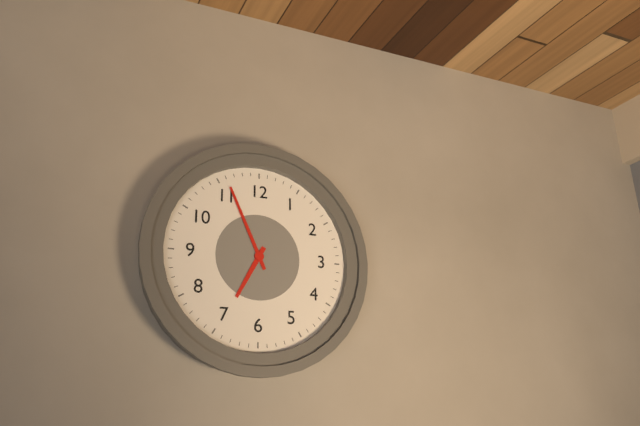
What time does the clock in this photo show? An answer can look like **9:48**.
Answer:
**6:56**
